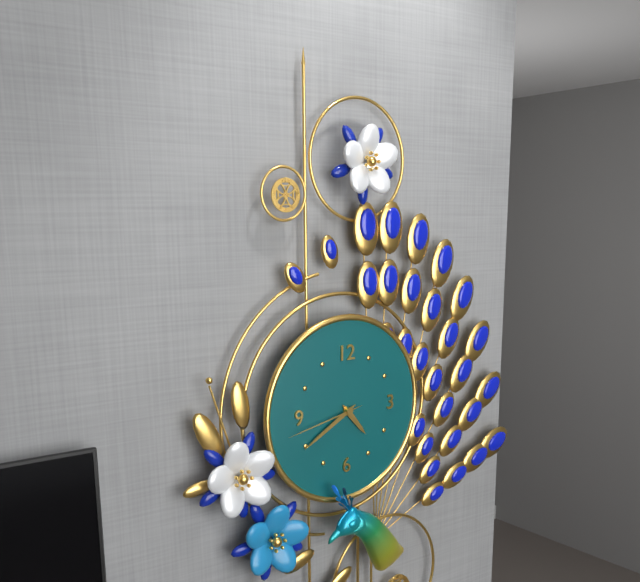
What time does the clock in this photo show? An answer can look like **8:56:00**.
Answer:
**4:40:43**
